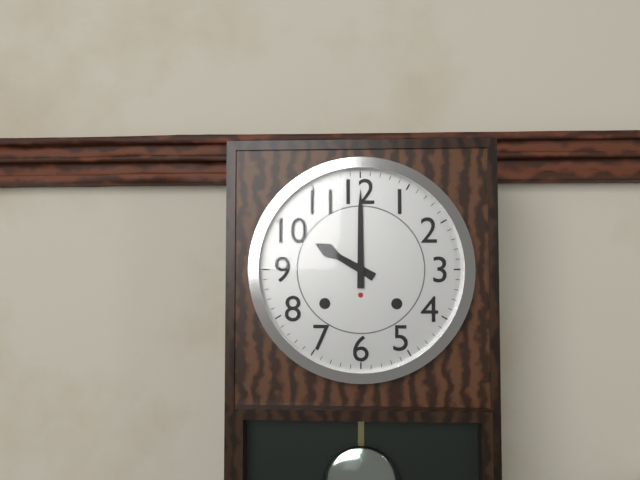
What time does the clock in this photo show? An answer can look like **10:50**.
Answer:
**10:00**
